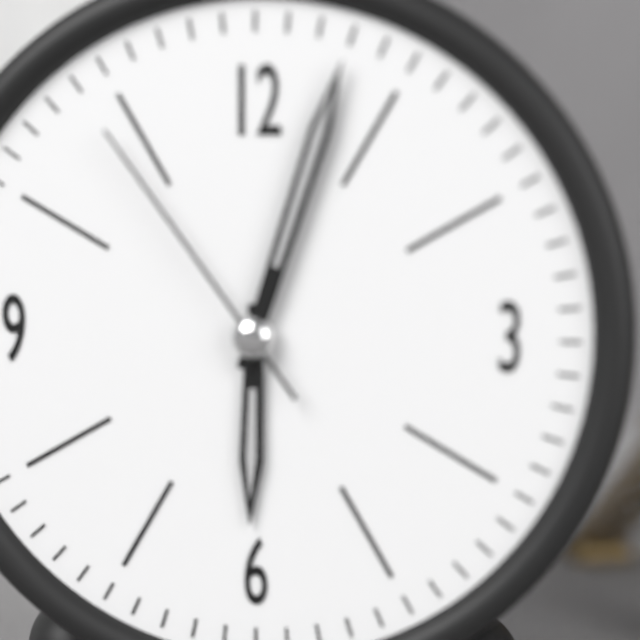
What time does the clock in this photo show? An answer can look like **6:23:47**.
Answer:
**6:03:54**
